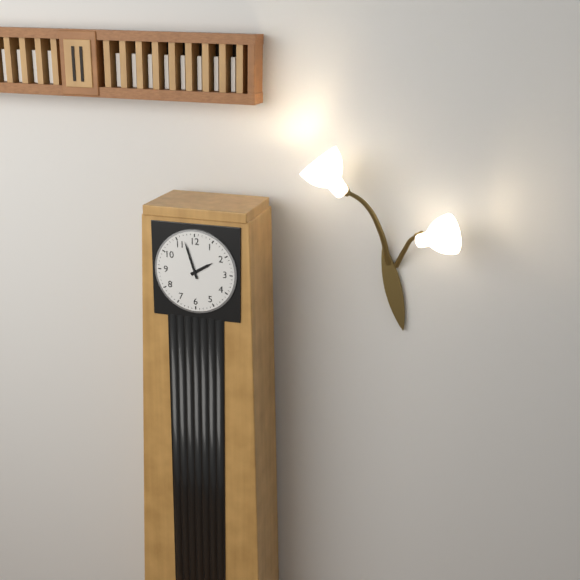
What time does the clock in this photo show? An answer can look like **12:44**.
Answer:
**1:57**
